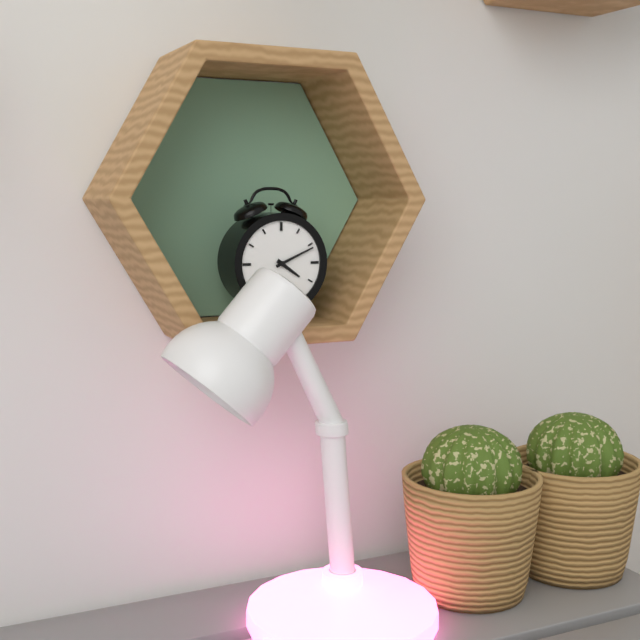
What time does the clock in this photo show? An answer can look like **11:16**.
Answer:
**4:11**
